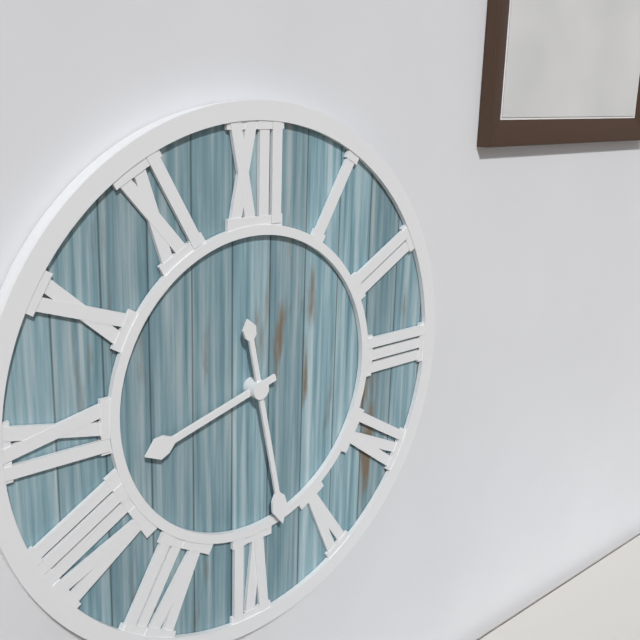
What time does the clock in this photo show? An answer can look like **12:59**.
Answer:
**8:28**
